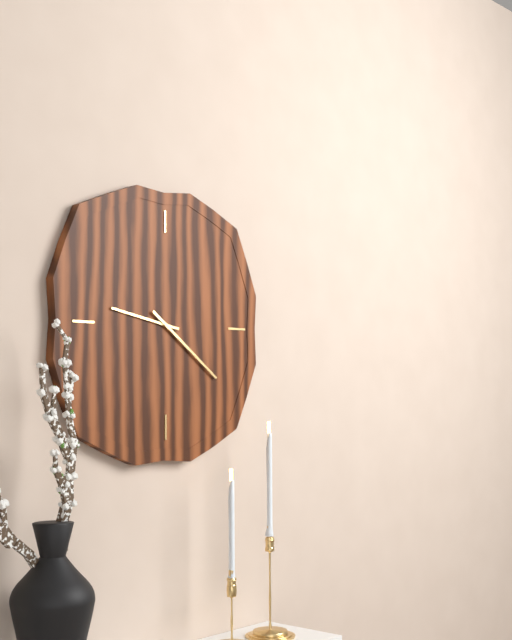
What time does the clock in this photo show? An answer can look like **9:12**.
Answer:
**9:21**
